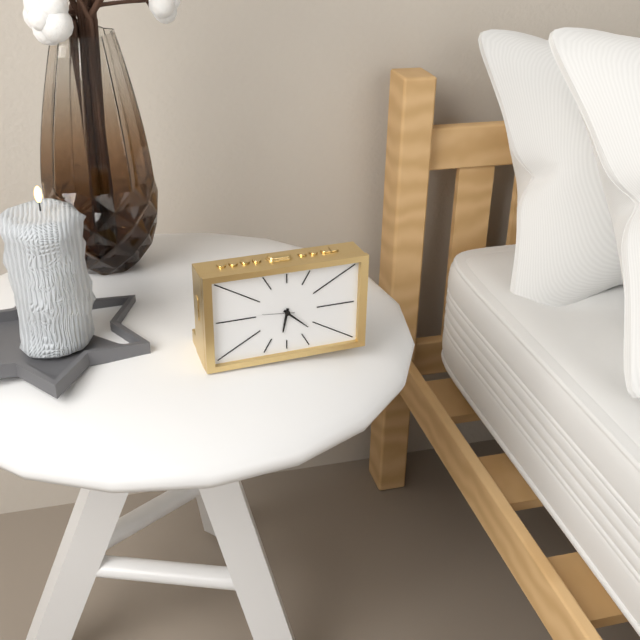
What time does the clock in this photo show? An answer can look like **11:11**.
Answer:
**6:22**
